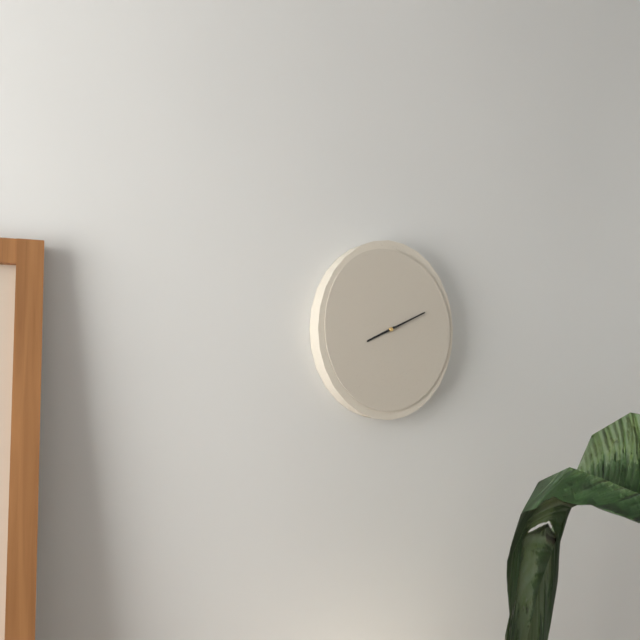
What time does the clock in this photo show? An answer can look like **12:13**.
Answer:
**8:11**
